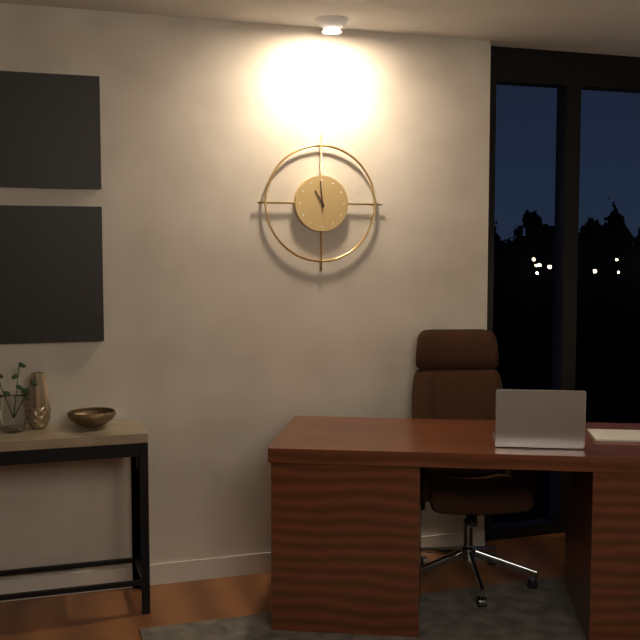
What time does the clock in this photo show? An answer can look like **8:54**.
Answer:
**10:59**
